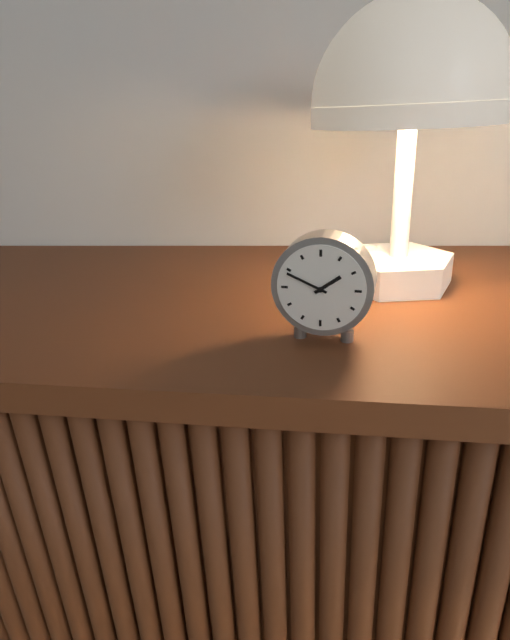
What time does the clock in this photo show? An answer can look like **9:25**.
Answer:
**1:49**
